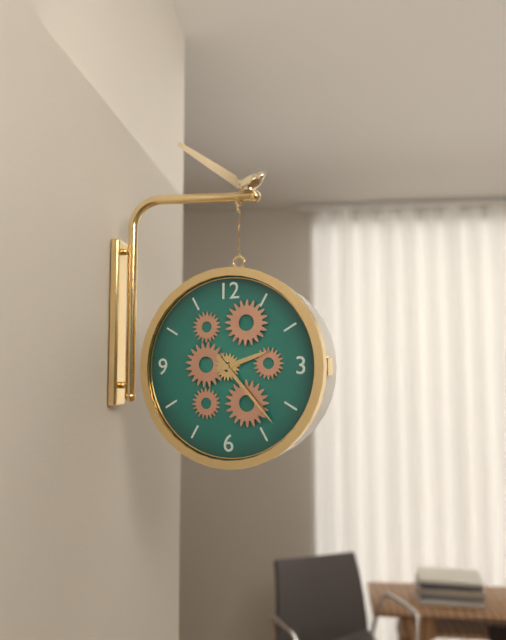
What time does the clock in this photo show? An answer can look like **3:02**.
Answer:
**2:23**
